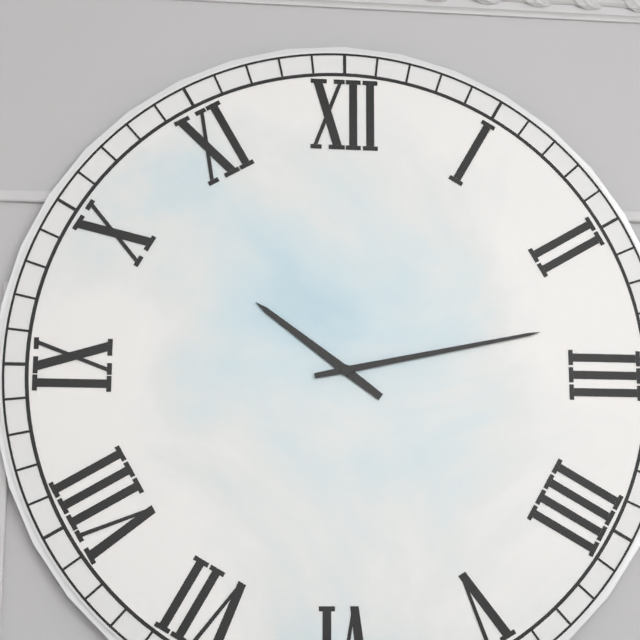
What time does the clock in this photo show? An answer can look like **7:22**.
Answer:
**10:13**
